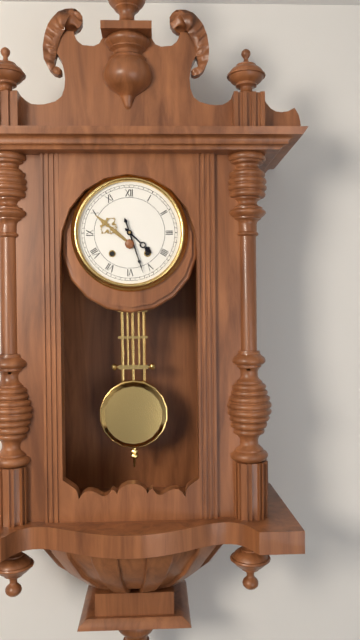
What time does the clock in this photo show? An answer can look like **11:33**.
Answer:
**4:27**
